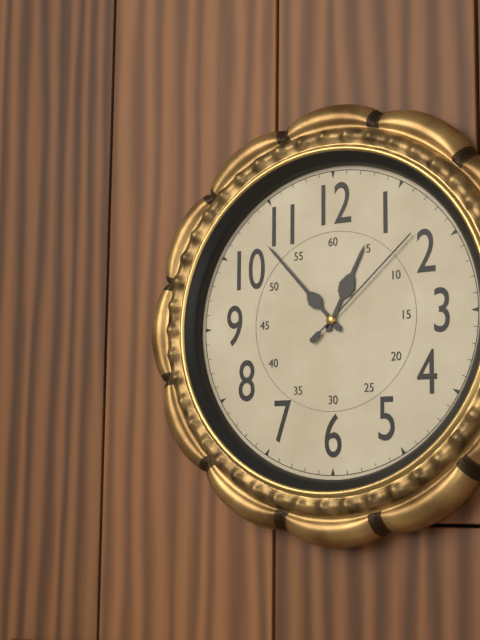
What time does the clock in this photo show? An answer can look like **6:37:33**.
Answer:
**12:53:08**
